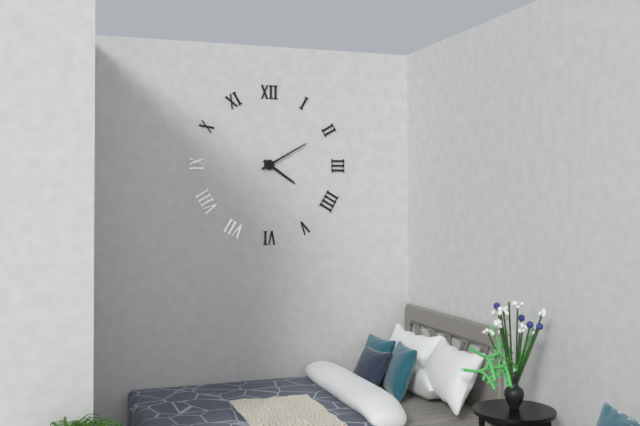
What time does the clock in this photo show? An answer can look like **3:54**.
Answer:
**4:10**
